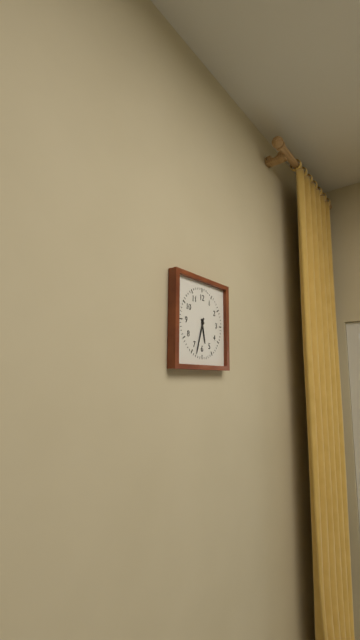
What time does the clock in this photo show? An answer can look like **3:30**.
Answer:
**5:33**
